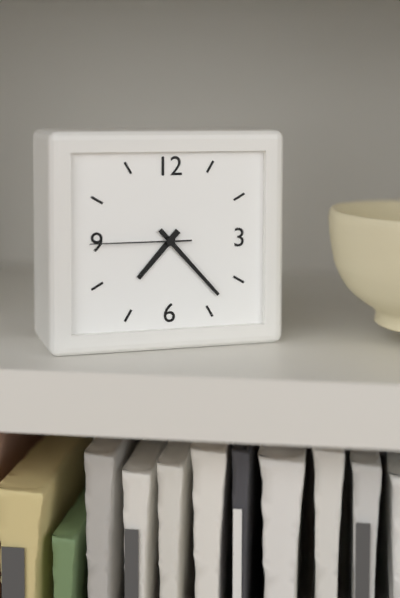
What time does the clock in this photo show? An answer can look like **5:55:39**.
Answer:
**7:23:45**
